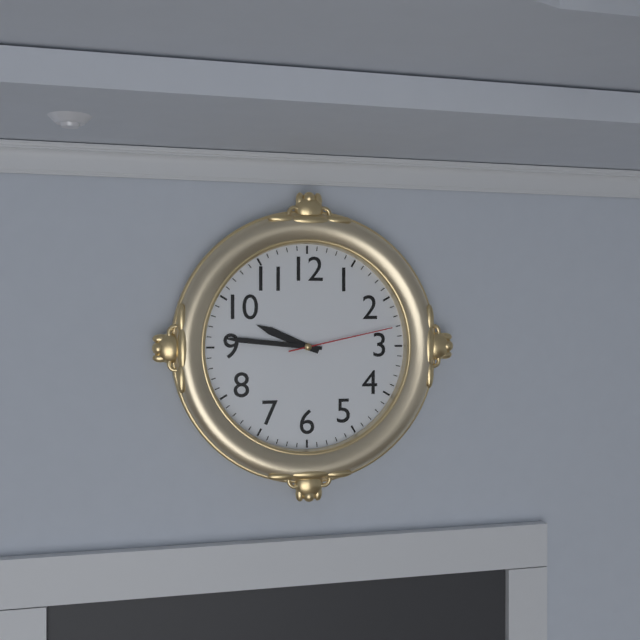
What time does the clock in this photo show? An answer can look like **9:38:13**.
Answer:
**9:46:13**
